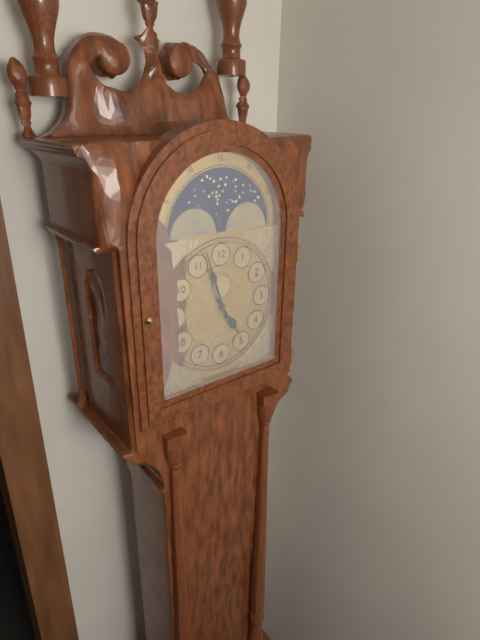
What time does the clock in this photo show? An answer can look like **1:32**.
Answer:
**4:57**
